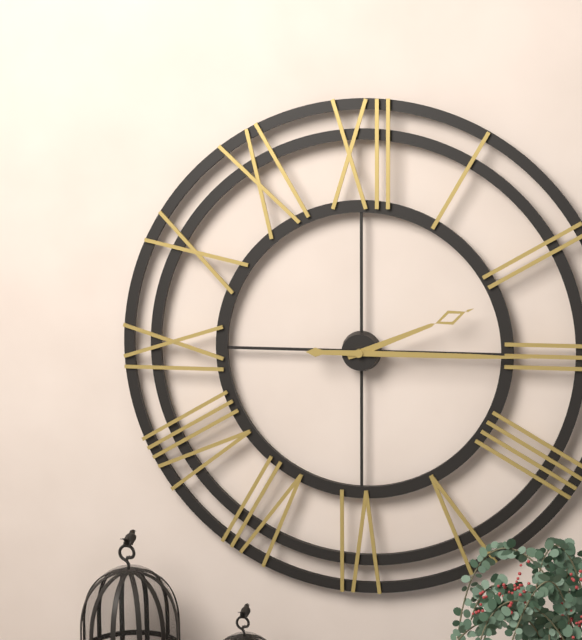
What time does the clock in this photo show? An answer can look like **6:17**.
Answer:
**2:15**
